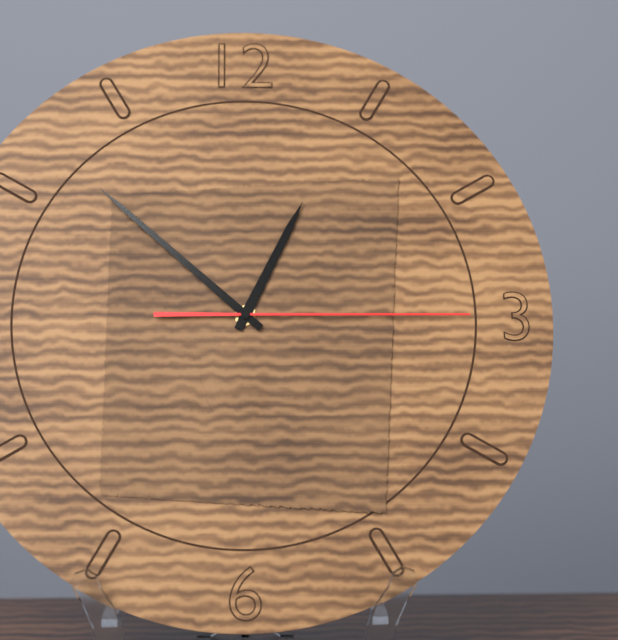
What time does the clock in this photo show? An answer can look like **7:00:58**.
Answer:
**12:52:15**
